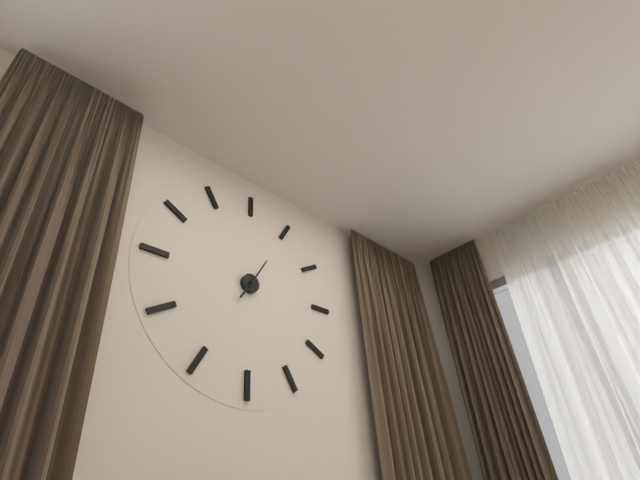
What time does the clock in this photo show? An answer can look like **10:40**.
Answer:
**7:05**
